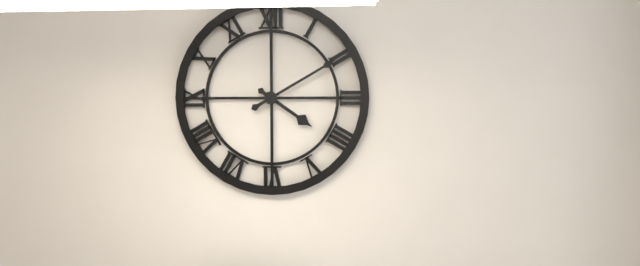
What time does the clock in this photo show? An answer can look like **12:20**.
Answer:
**4:10**
